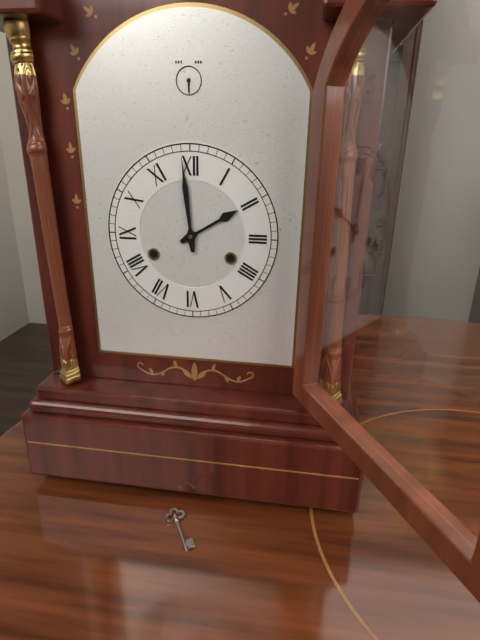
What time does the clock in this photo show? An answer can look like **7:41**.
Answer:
**1:59**
